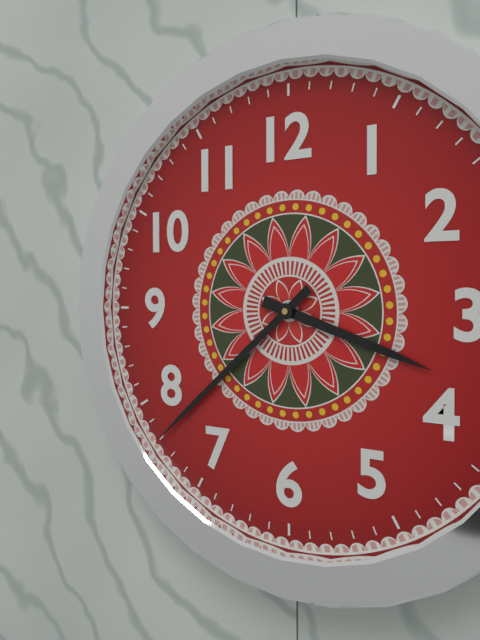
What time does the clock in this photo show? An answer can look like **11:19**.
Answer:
**3:38**
